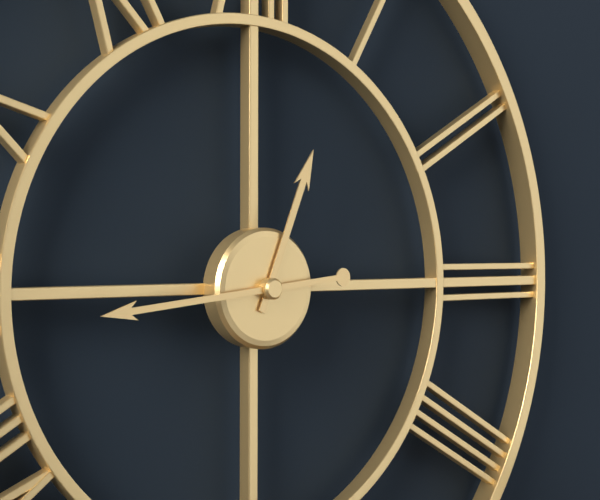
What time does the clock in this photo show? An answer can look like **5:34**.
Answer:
**12:44**
